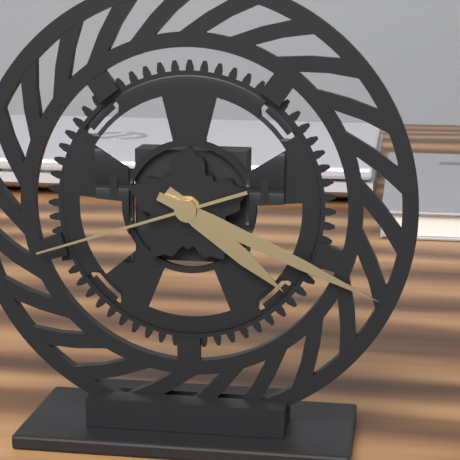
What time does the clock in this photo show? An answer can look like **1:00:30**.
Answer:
**4:19:42**
